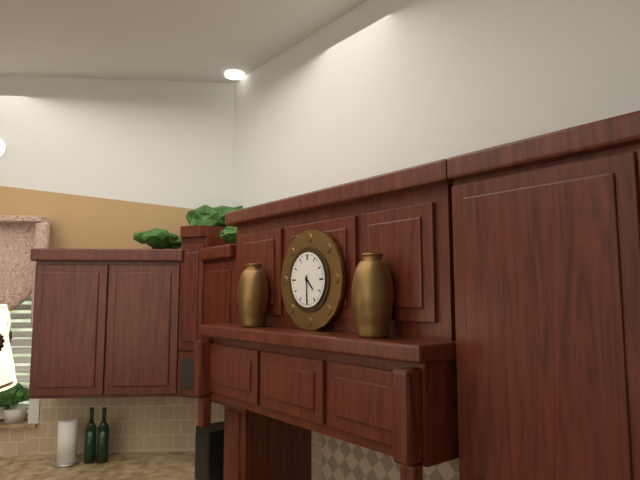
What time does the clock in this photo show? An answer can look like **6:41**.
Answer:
**4:30**
